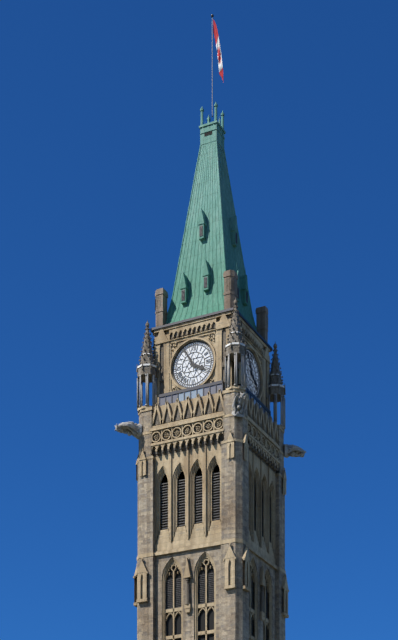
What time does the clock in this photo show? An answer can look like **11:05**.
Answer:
**3:55**
